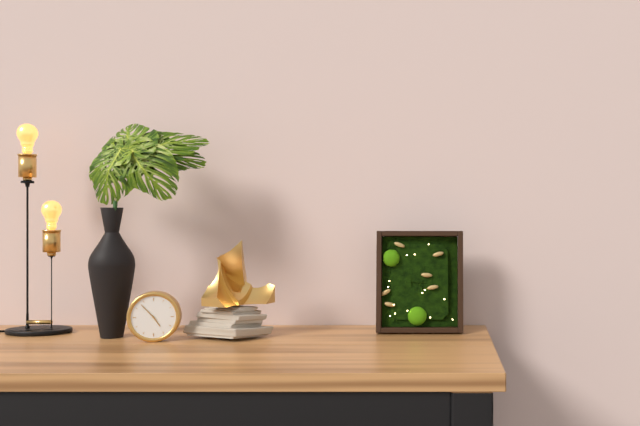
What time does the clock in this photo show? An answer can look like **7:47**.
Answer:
**4:53**
